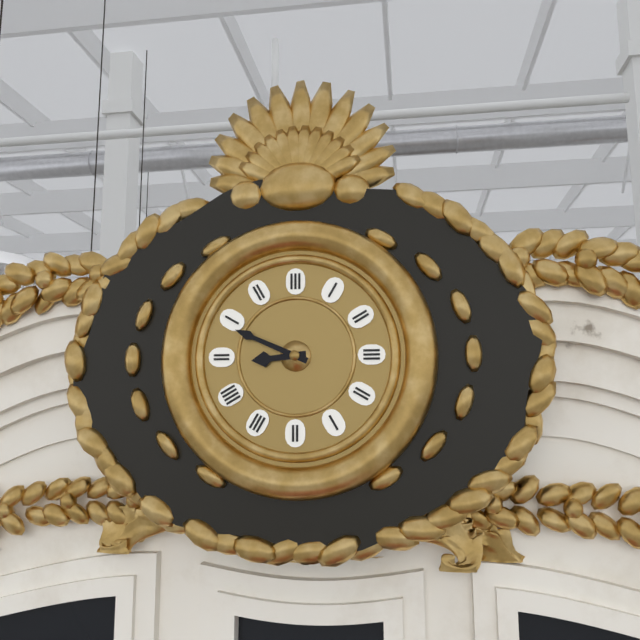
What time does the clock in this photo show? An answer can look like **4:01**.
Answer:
**8:49**
